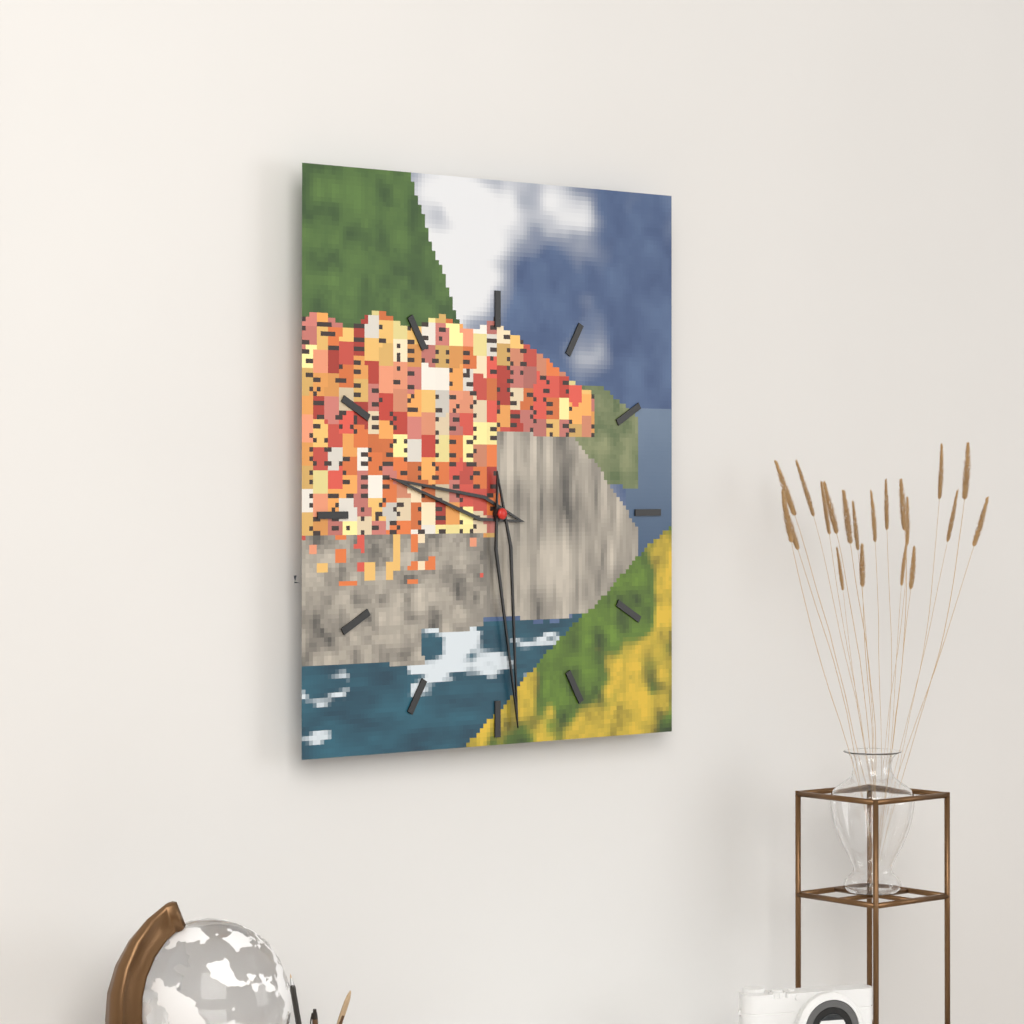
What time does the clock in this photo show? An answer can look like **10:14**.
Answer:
**9:29**
